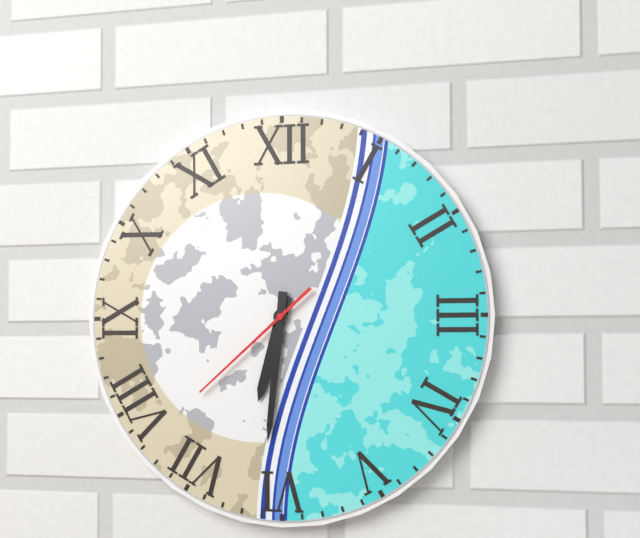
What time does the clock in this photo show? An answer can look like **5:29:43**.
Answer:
**6:31:38**
